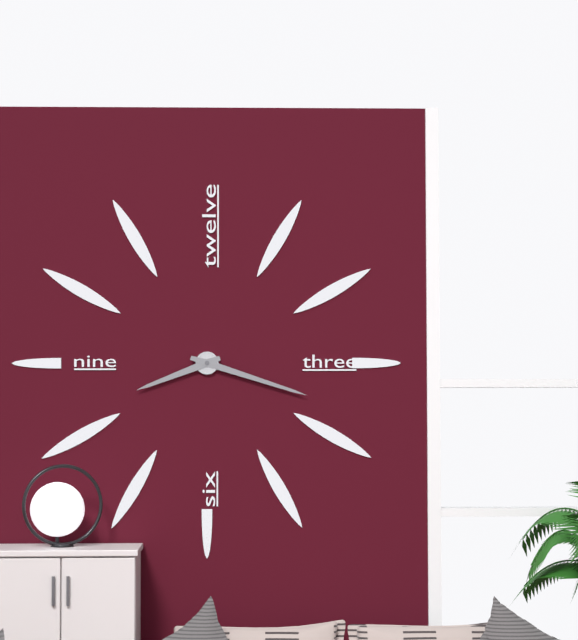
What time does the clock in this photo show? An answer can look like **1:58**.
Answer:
**8:18**
